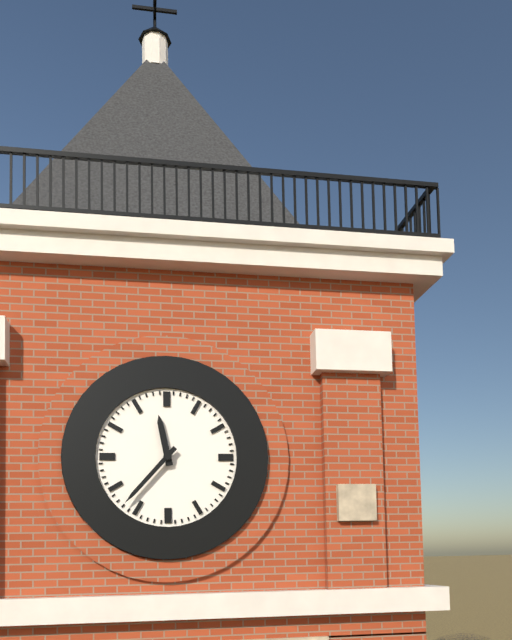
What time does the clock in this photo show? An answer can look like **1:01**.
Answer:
**11:37**
